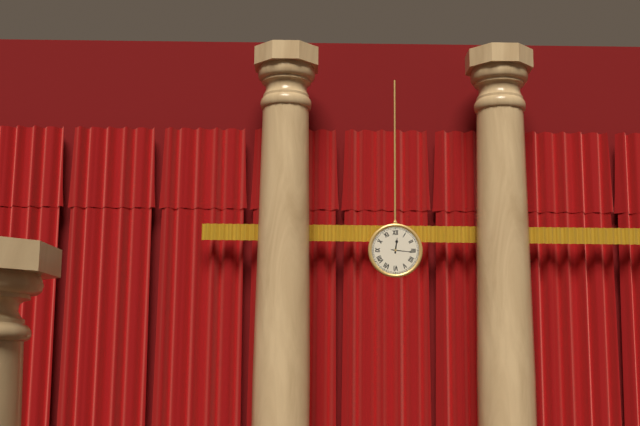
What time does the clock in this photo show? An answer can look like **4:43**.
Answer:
**12:16**
